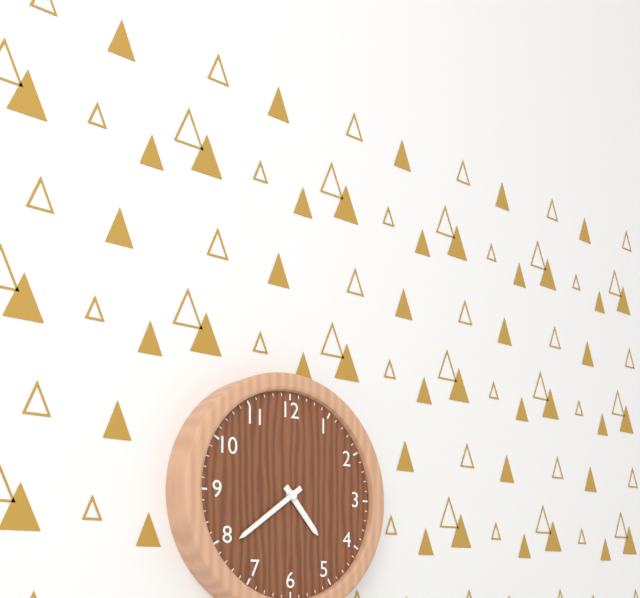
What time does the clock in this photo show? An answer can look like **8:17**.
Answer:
**4:39**
